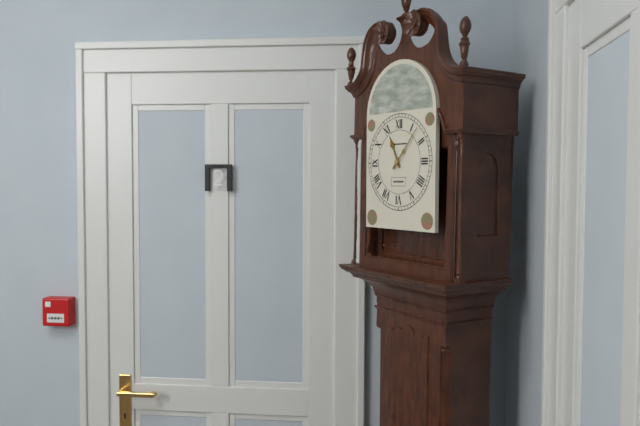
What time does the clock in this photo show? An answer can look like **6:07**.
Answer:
**11:07**
